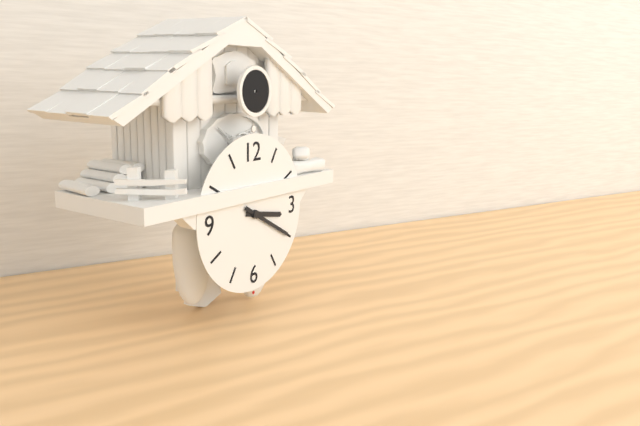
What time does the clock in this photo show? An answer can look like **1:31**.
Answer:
**3:20**
